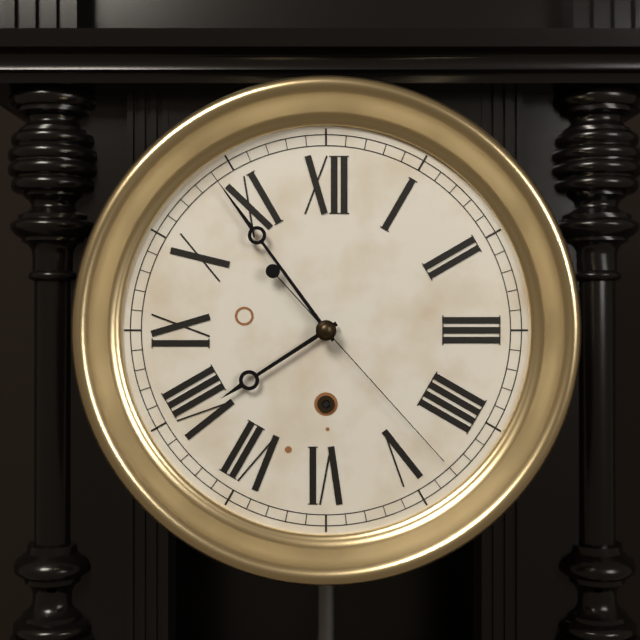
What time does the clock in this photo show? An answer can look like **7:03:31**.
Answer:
**7:54:23**
